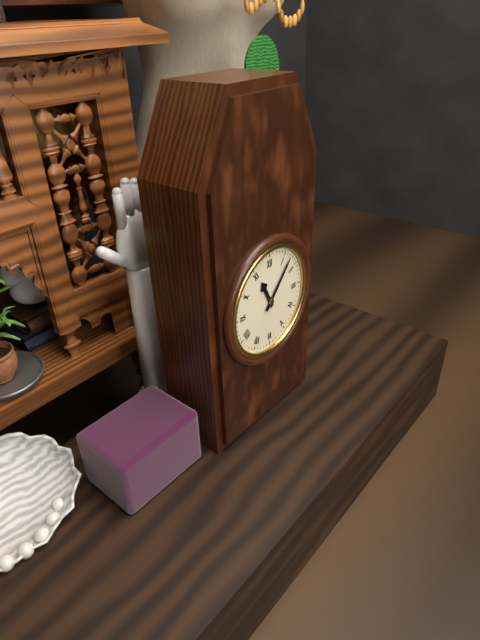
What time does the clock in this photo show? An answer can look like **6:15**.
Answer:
**11:07**
